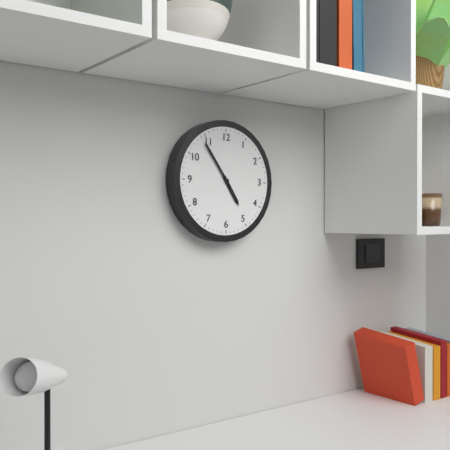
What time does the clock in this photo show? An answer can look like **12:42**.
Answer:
**4:54**
